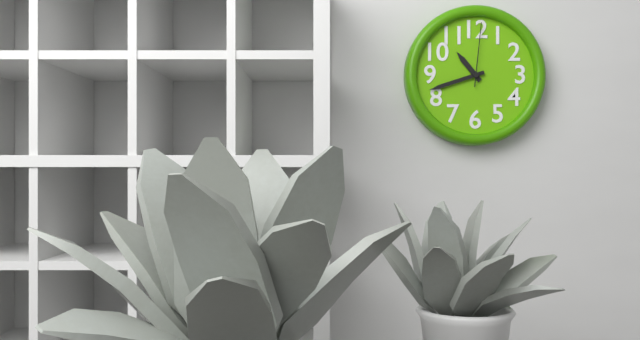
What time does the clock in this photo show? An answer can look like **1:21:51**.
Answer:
**10:42:01**
